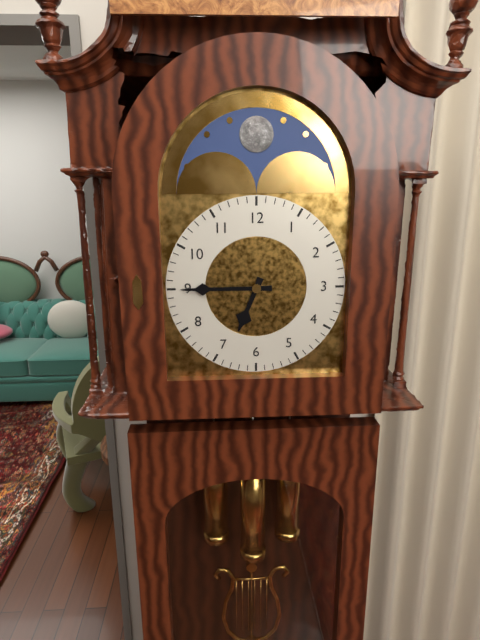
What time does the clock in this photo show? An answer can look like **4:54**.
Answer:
**6:45**
